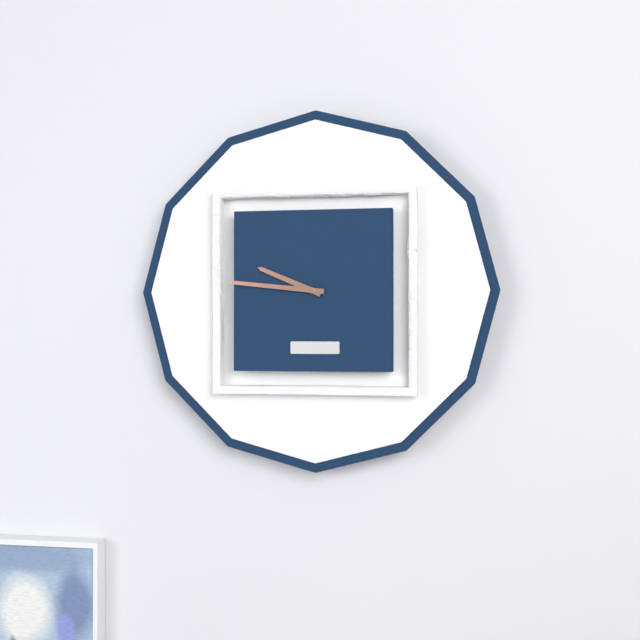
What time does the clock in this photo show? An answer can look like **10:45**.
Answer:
**9:46**
